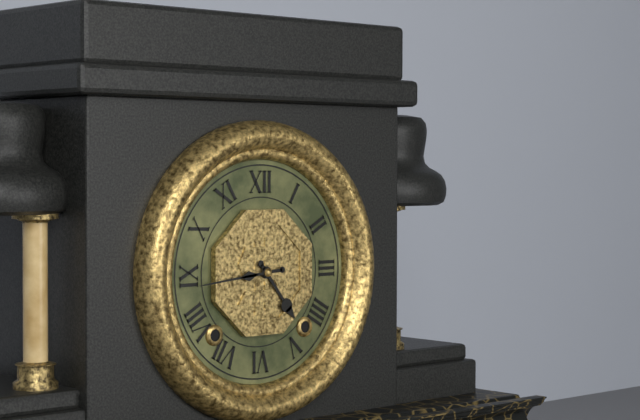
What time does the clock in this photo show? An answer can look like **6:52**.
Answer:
**4:44**
